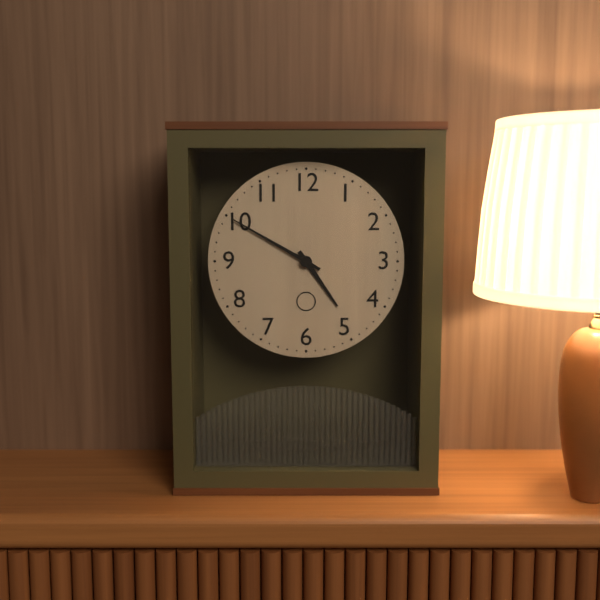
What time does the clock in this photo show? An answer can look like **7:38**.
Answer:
**4:50**
